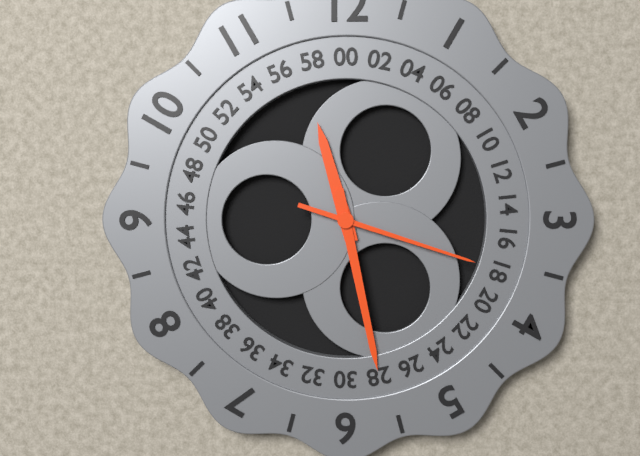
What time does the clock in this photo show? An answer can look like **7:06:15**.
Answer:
**11:28:18**
